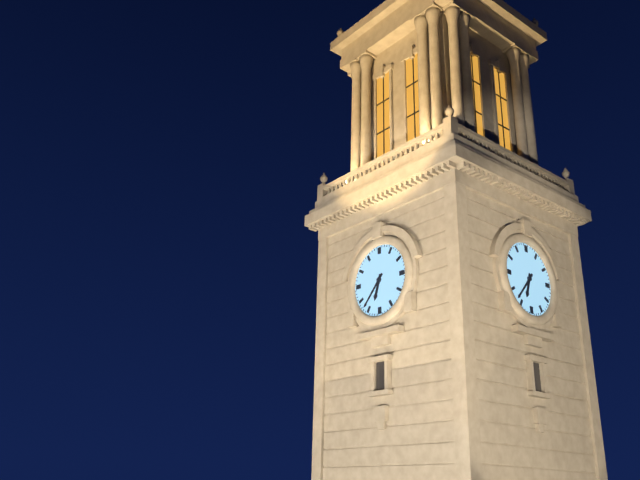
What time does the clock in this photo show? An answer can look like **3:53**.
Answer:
**6:37**
